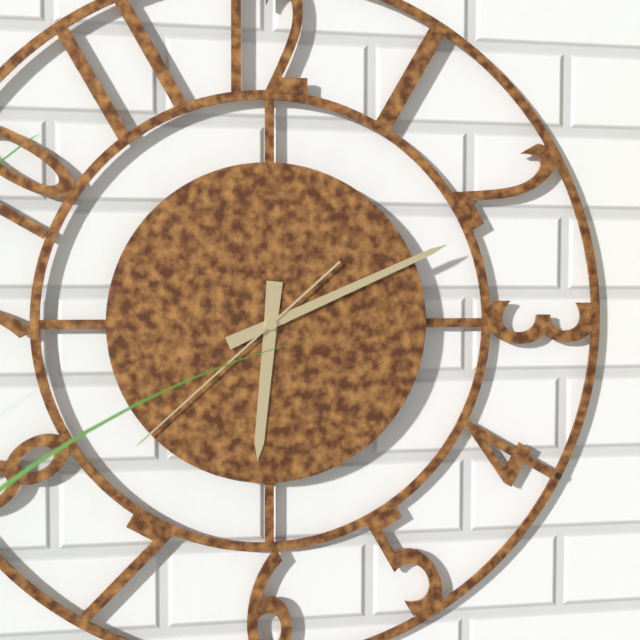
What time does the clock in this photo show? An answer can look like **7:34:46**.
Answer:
**6:11:38**
